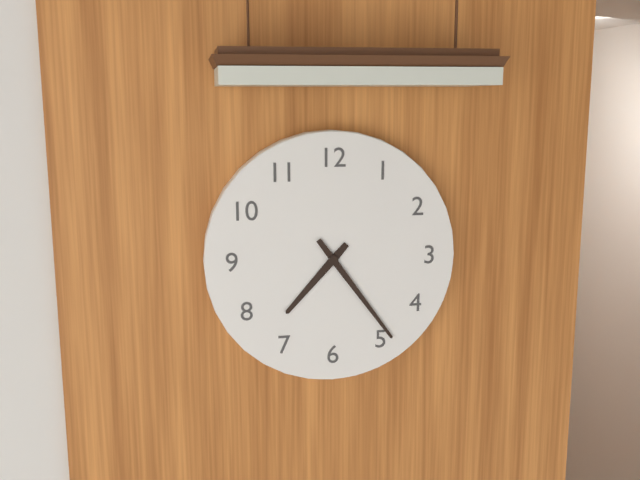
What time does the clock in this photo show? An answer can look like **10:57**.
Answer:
**7:24**
